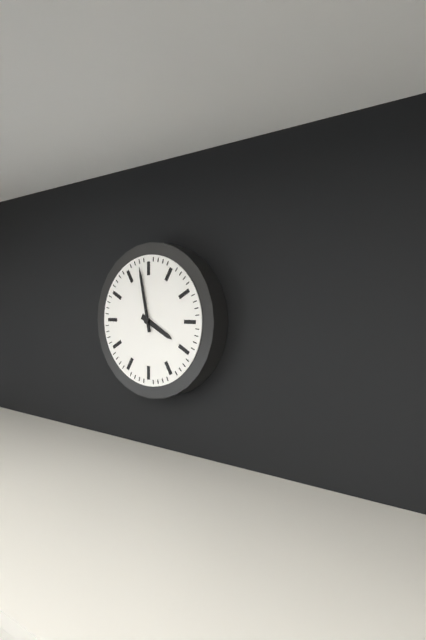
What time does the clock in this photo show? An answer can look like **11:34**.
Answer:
**3:58**
